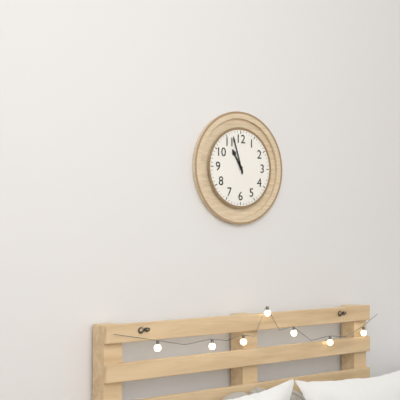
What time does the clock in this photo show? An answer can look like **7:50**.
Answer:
**10:57**
